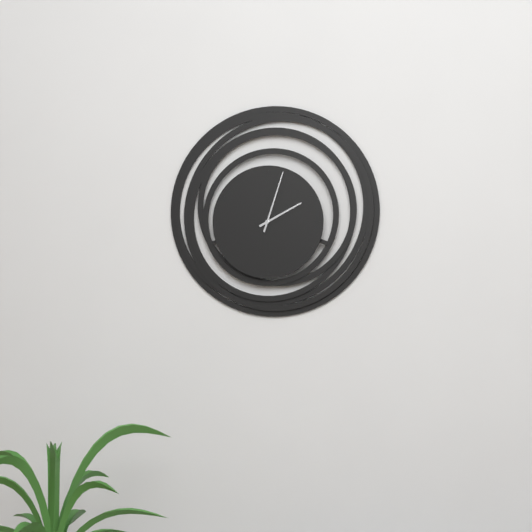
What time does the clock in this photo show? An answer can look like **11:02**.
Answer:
**2:03**
